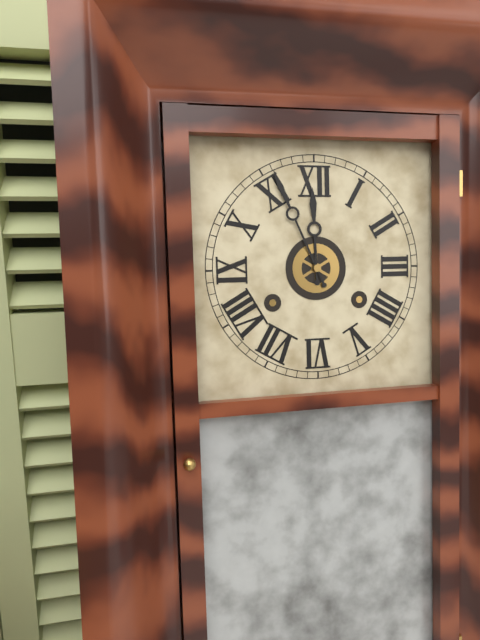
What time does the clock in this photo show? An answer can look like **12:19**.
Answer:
**11:56**
